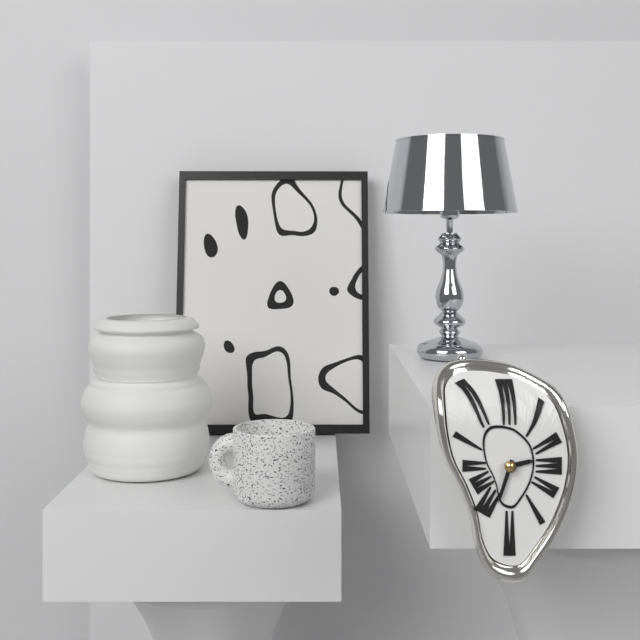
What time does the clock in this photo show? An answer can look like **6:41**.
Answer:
**2:33**
